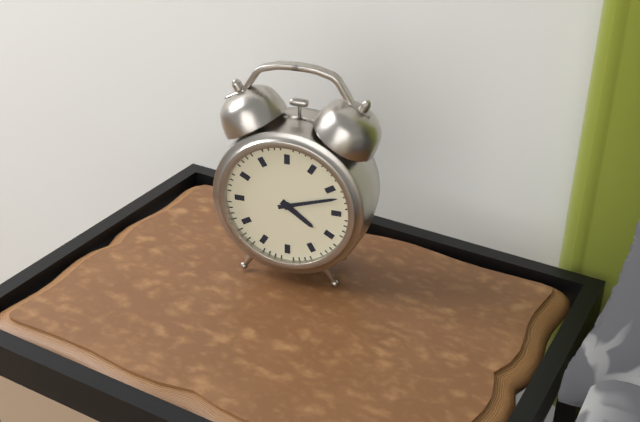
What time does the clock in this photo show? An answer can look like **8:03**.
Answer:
**4:12**
